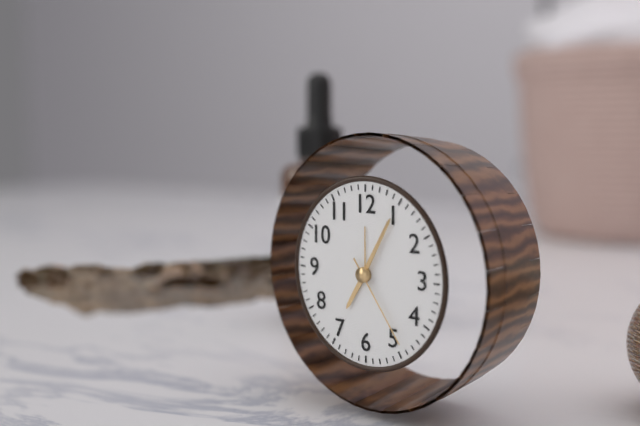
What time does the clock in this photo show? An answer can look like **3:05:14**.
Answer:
**7:05:24**
